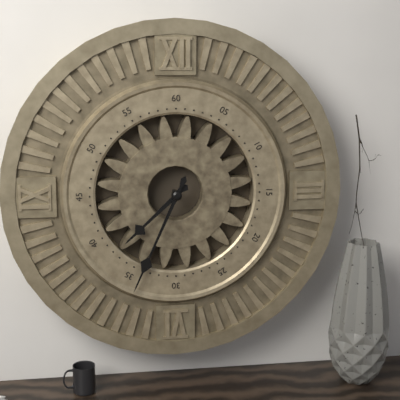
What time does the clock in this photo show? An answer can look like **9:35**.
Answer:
**7:34**
